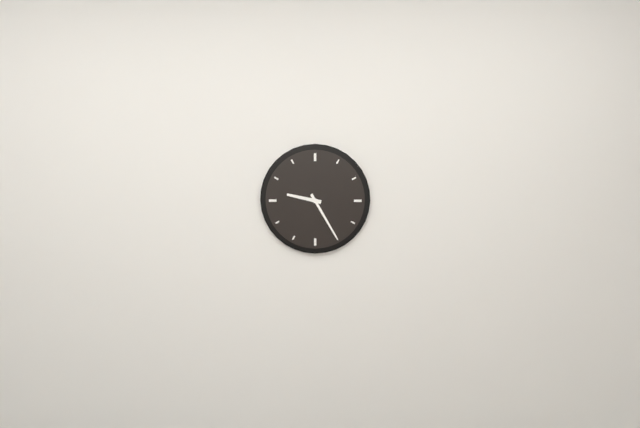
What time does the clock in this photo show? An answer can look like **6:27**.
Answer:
**9:25**
